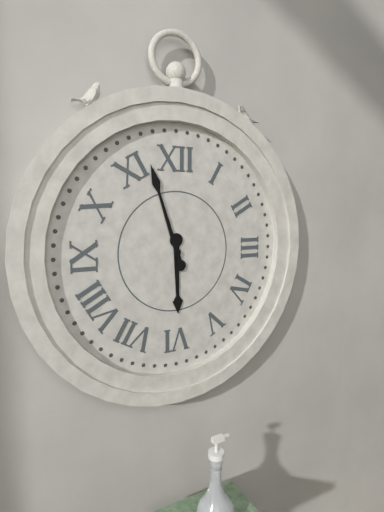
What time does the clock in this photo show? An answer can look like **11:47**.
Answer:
**5:57**
